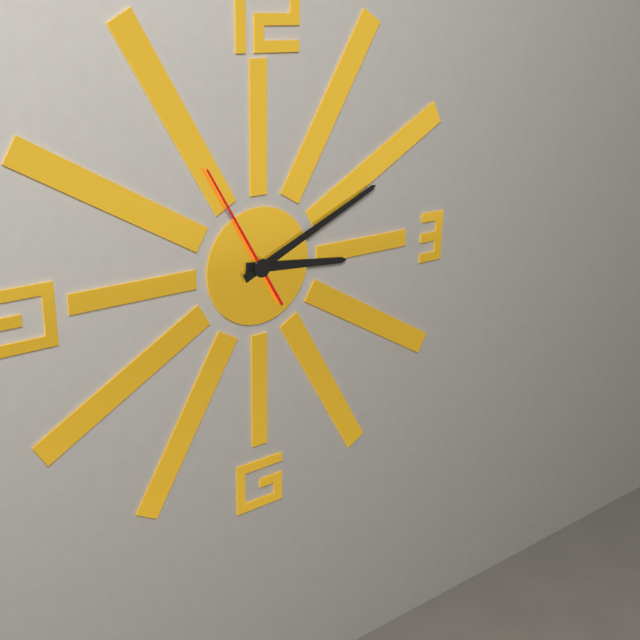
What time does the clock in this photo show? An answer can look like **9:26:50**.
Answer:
**3:11:55**
